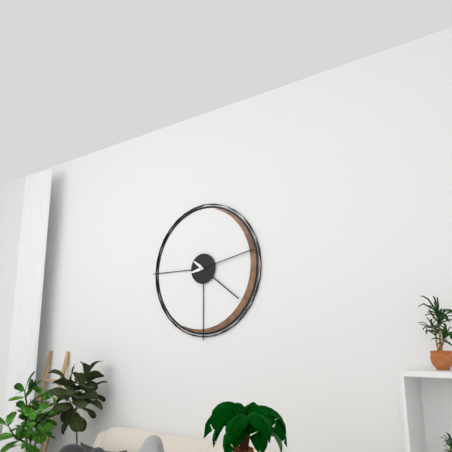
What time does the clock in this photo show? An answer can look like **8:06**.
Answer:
**4:13**
